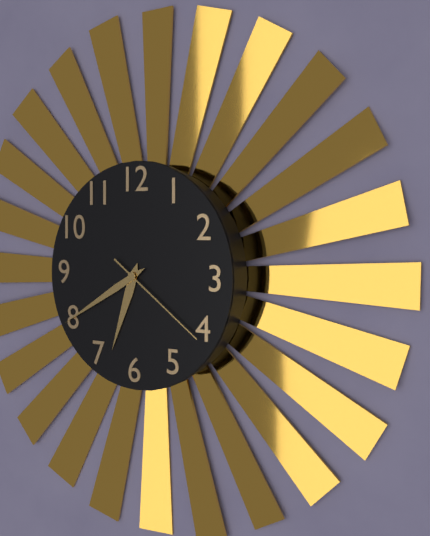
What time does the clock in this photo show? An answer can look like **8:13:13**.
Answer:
**6:40:21**
